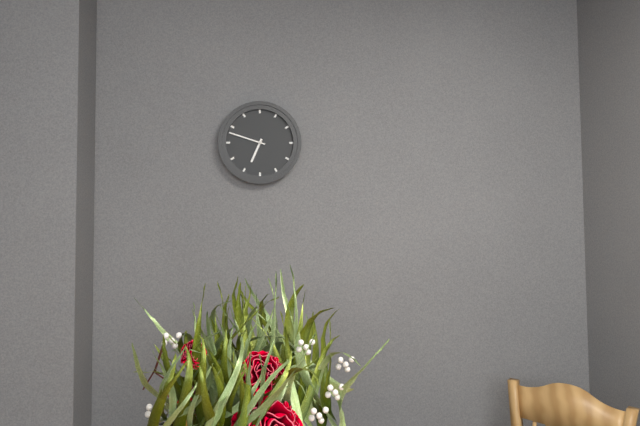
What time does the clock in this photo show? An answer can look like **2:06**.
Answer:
**6:48**
